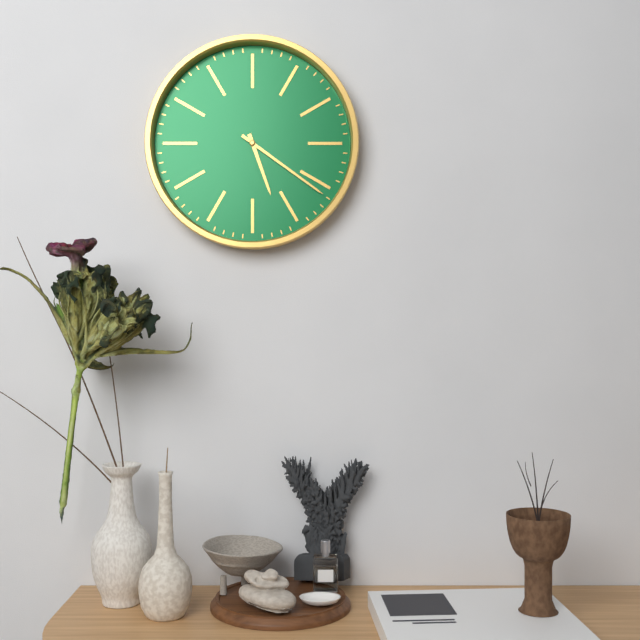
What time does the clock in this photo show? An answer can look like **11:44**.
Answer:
**5:21**
